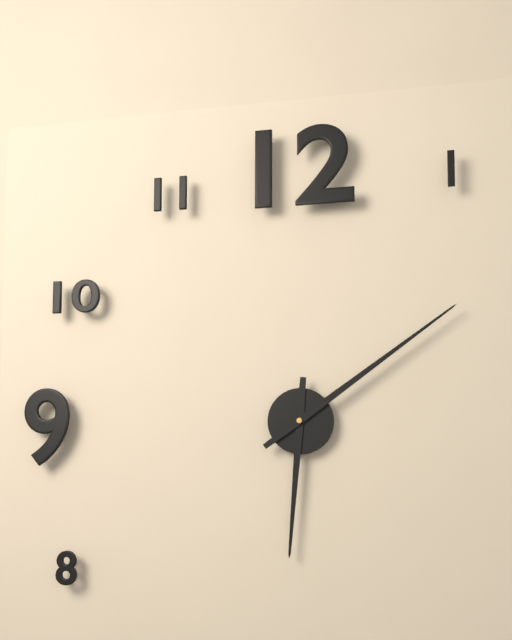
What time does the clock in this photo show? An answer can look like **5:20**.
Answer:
**6:09**
